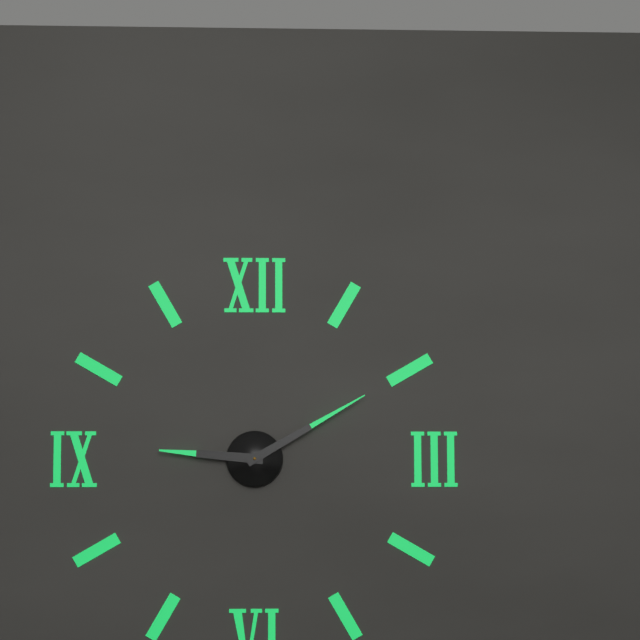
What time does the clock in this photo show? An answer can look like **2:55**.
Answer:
**9:10**
